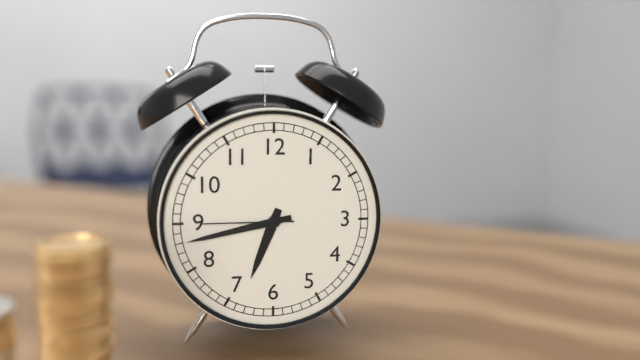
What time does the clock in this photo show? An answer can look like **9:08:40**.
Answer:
**6:43:45**
